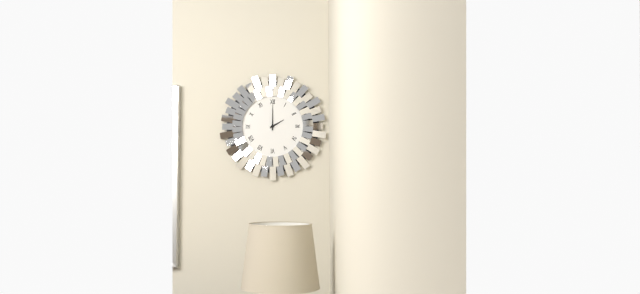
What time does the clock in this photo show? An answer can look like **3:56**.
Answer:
**2:00**
